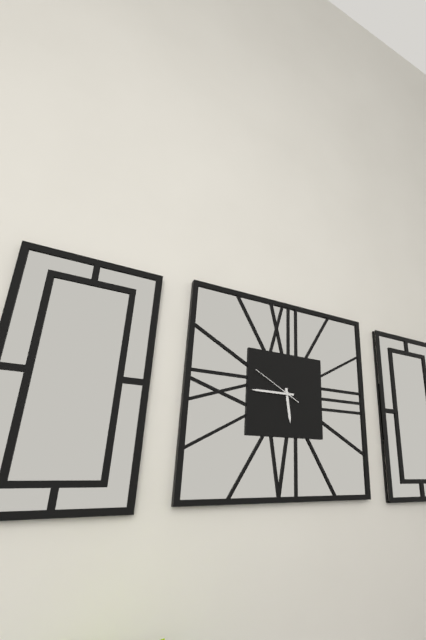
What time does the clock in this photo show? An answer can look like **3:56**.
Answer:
**5:45**
